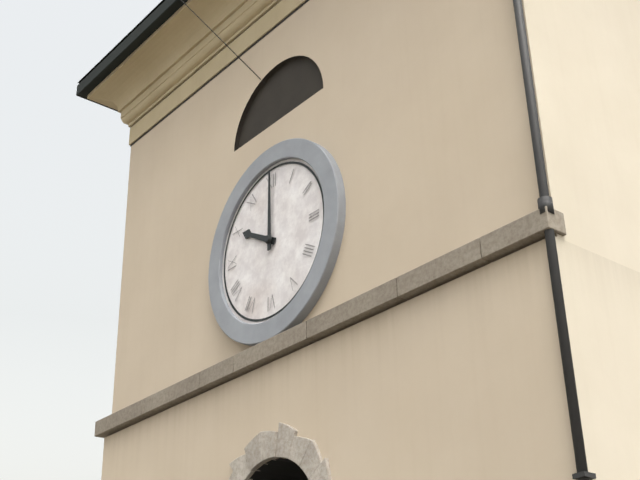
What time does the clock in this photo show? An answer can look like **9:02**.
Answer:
**10:00**
